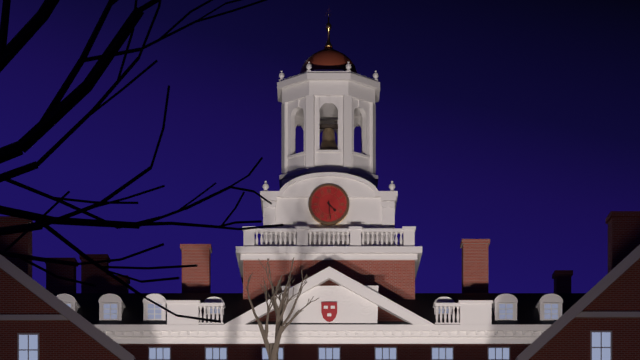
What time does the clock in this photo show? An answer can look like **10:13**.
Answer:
**4:29**
